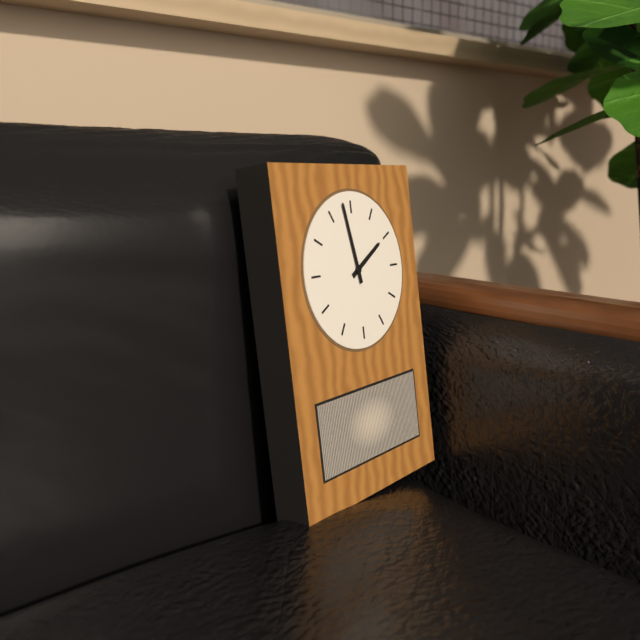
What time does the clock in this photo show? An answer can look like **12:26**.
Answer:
**1:58**
